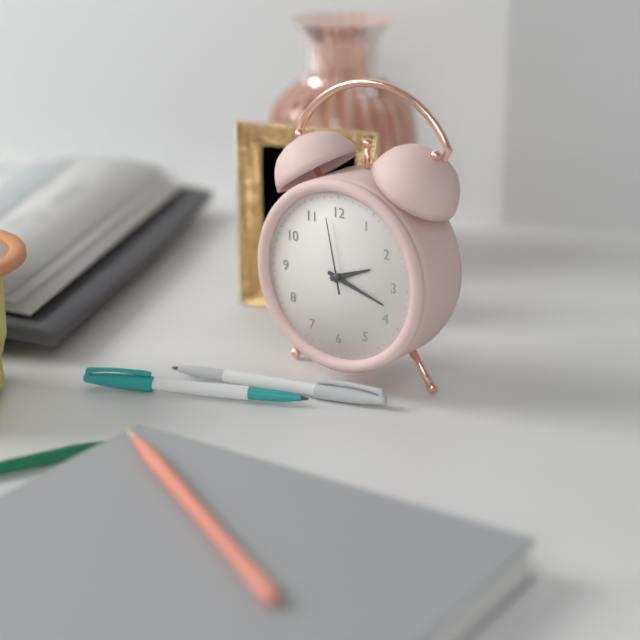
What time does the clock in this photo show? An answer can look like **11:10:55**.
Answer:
**2:18:58**
